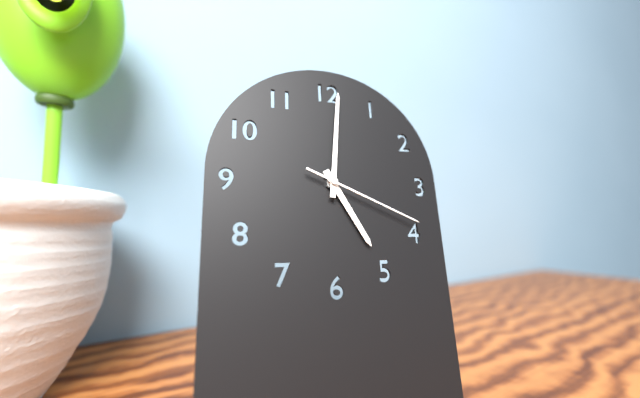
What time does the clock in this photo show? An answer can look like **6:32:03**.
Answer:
**5:01:19**
